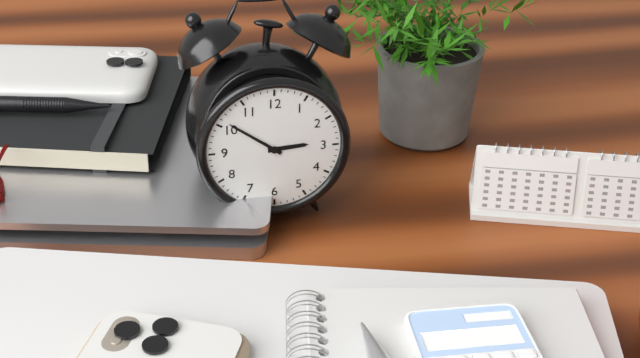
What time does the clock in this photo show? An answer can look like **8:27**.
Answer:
**2:51**
